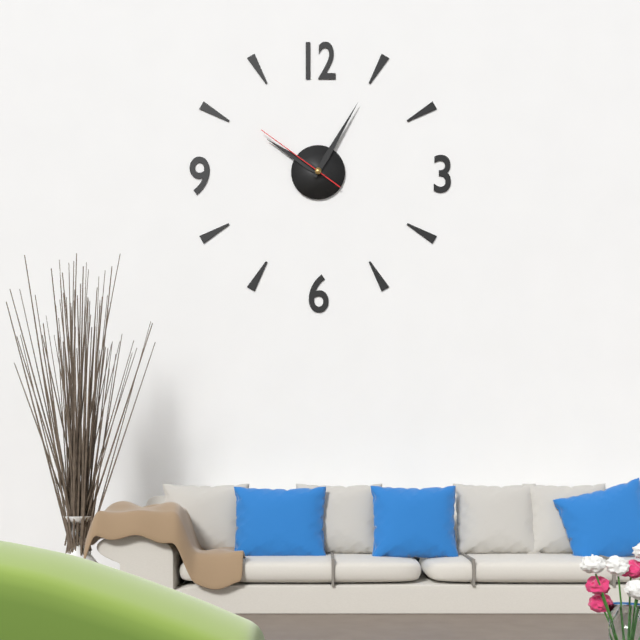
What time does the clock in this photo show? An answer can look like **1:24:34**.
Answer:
**10:05:51**
